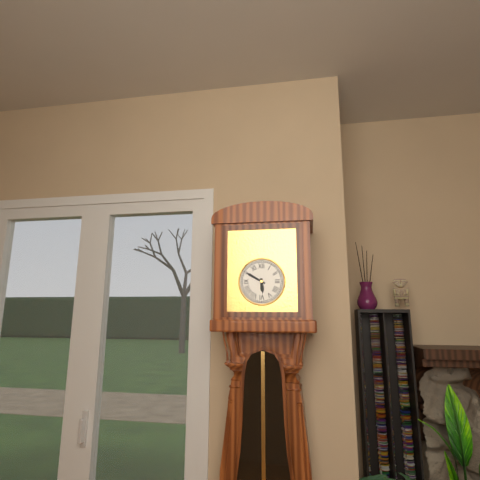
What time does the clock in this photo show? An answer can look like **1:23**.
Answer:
**5:50**
